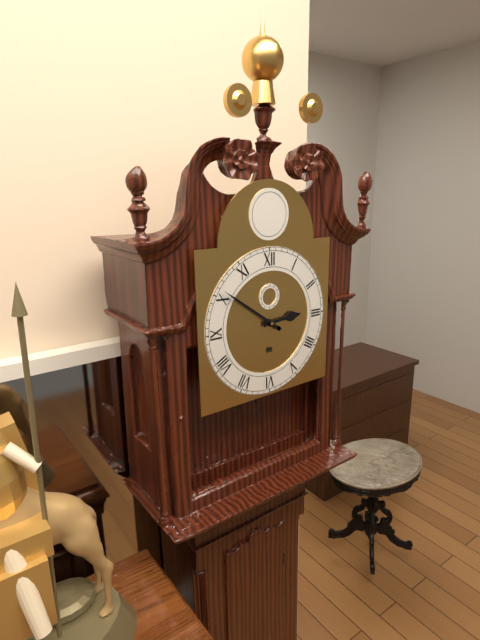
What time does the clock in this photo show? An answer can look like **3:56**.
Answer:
**2:51**
